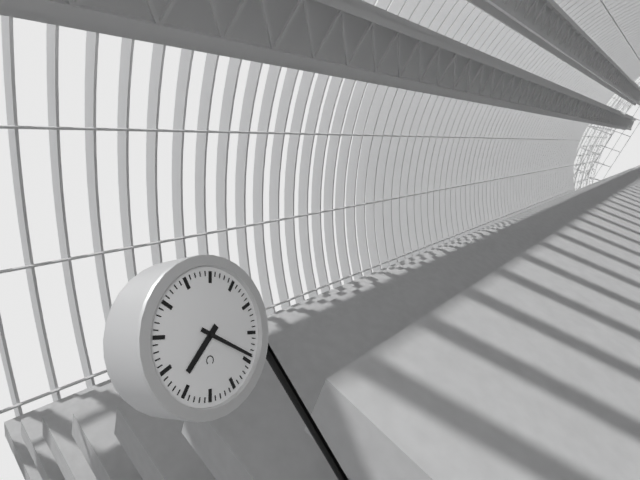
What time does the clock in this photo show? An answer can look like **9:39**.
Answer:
**7:19**
